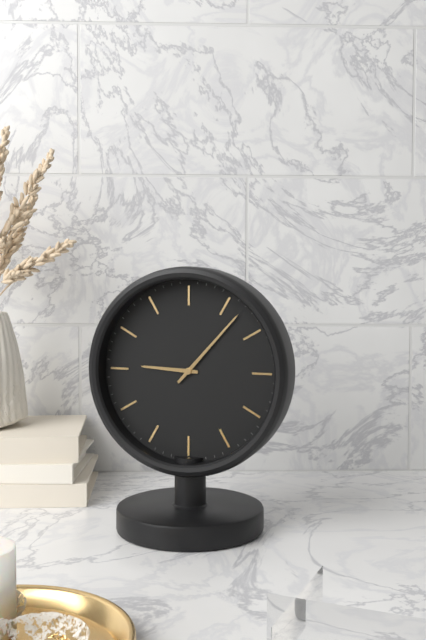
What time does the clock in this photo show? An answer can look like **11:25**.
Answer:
**9:07**
